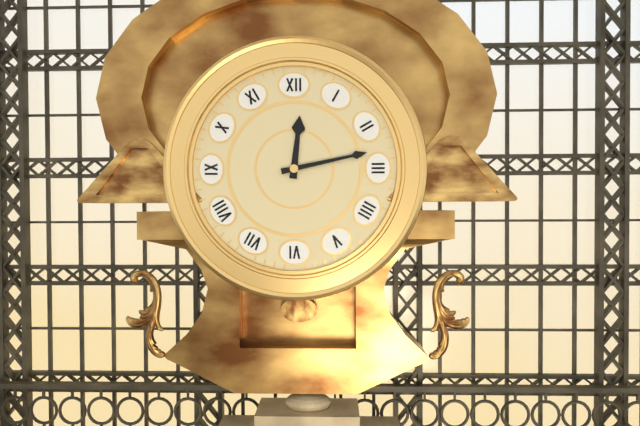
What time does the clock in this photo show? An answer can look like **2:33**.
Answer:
**12:13**
